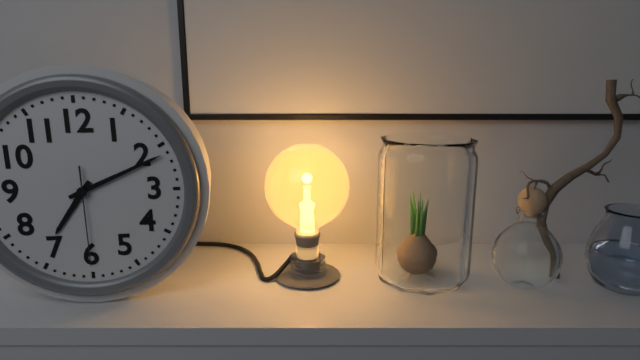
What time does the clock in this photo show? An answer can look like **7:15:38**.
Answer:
**7:11:30**
